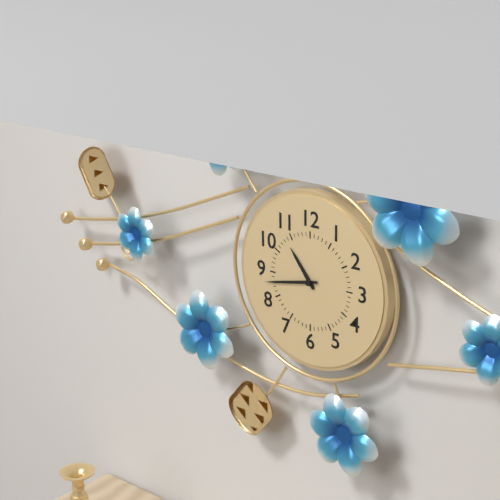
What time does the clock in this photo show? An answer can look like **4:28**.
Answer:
**10:43**
